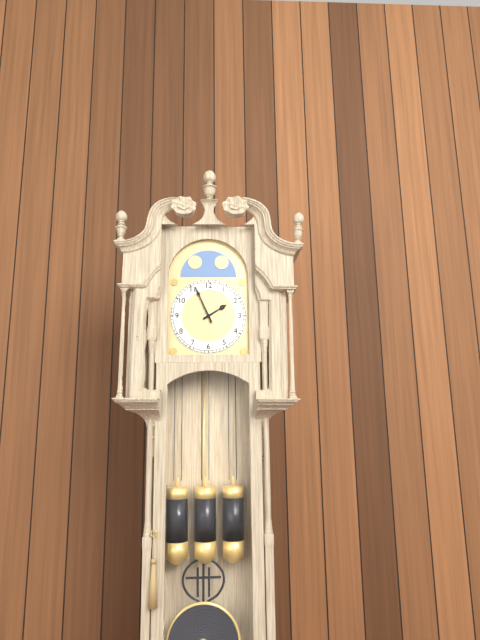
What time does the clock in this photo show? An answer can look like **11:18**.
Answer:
**1:56**
